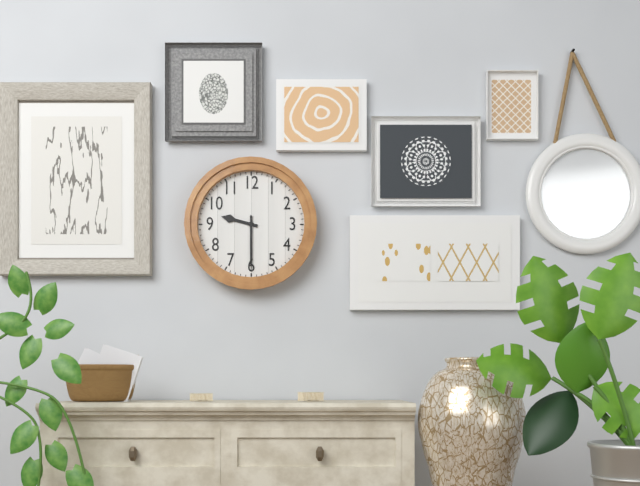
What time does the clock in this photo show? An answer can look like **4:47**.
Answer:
**9:30**
